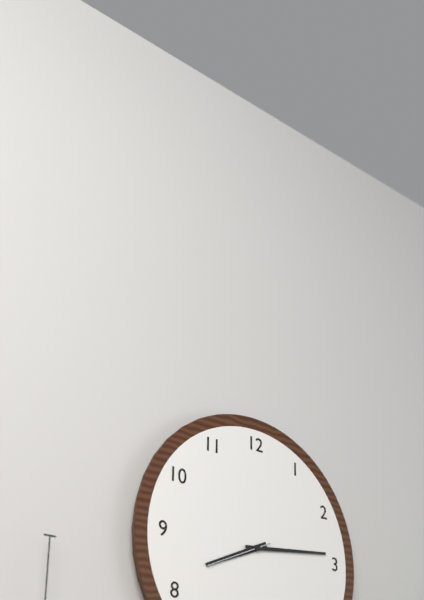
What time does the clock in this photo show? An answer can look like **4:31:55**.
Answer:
**8:14:41**
